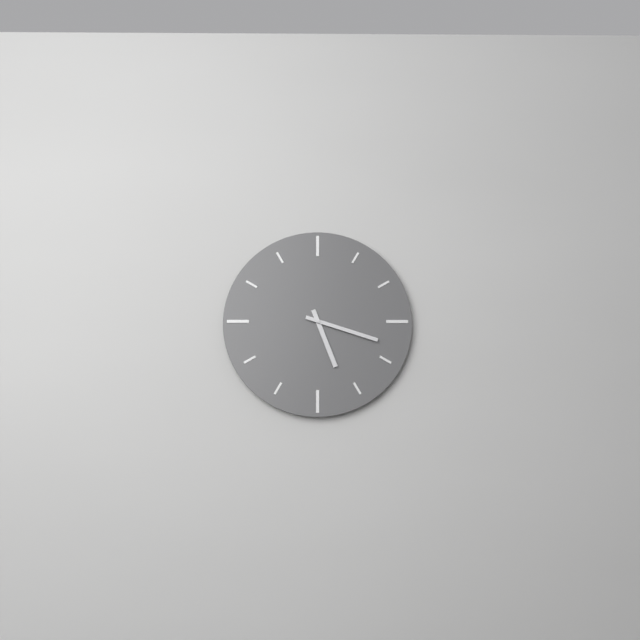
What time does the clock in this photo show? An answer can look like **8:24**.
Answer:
**5:18**
